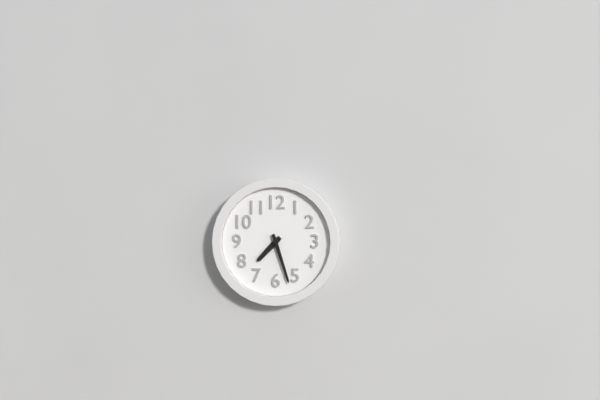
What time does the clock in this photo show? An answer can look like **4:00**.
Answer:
**7:27**
